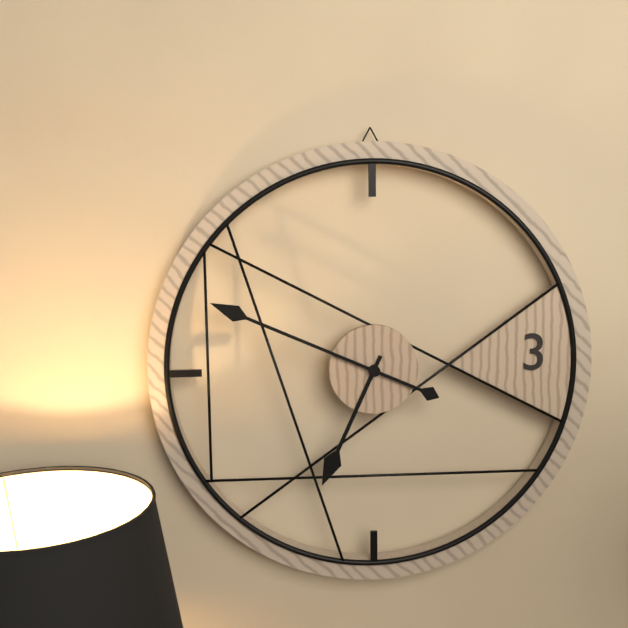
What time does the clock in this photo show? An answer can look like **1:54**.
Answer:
**6:49**
